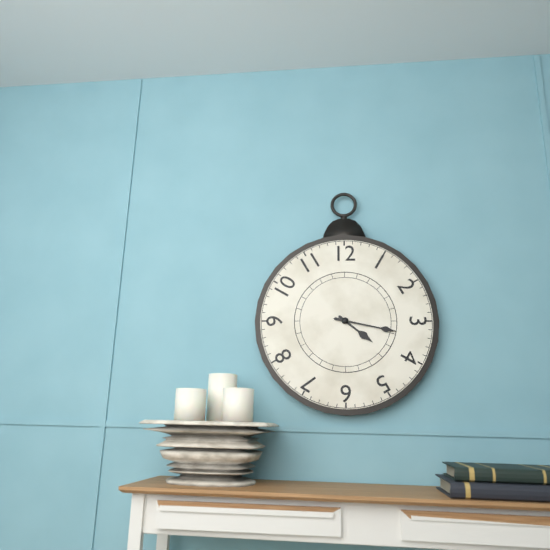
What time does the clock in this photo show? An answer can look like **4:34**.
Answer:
**4:17**
